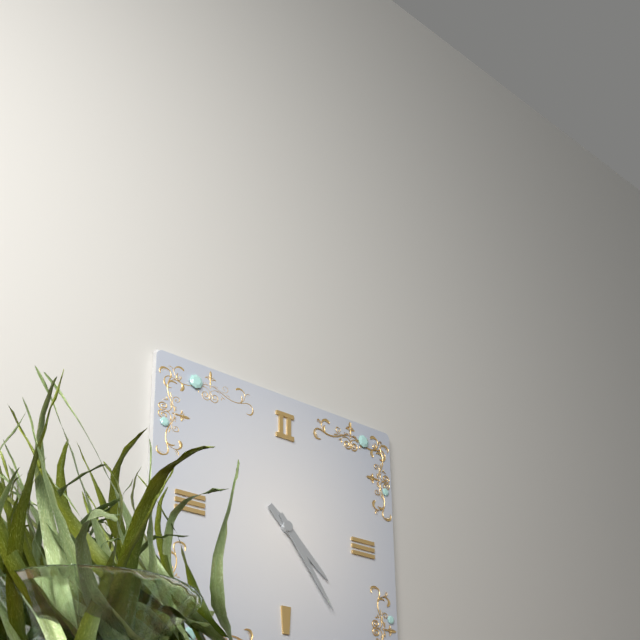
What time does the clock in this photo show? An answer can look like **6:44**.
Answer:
**4:24**
